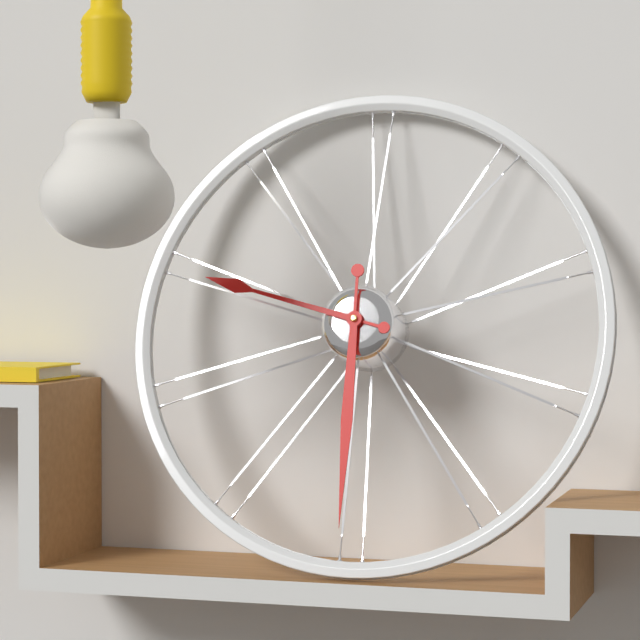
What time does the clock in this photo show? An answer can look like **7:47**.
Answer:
**9:30**
